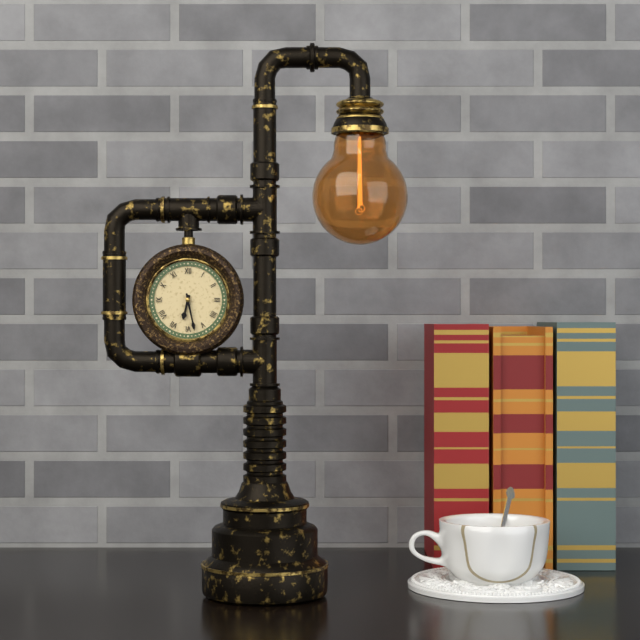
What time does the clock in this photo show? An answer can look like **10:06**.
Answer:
**6:28**
